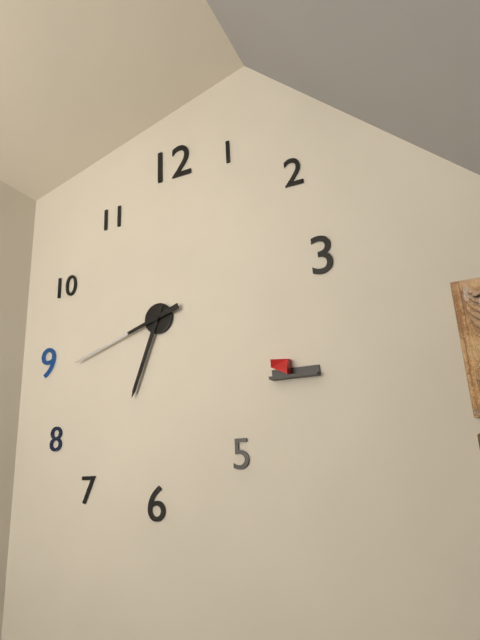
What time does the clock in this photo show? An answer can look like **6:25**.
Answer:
**6:42**
